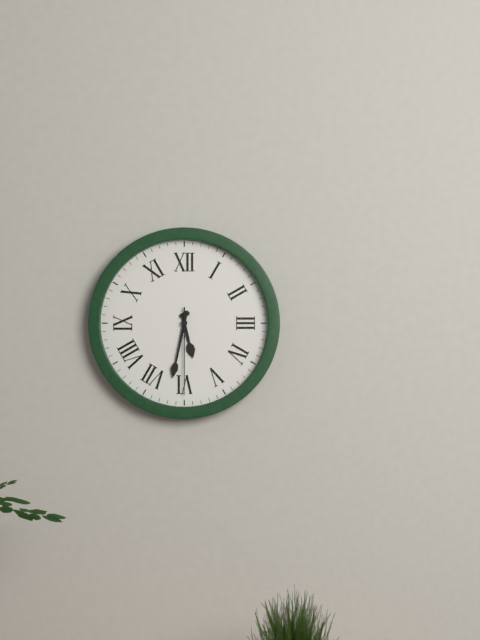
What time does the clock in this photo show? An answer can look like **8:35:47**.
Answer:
**5:32:30**
